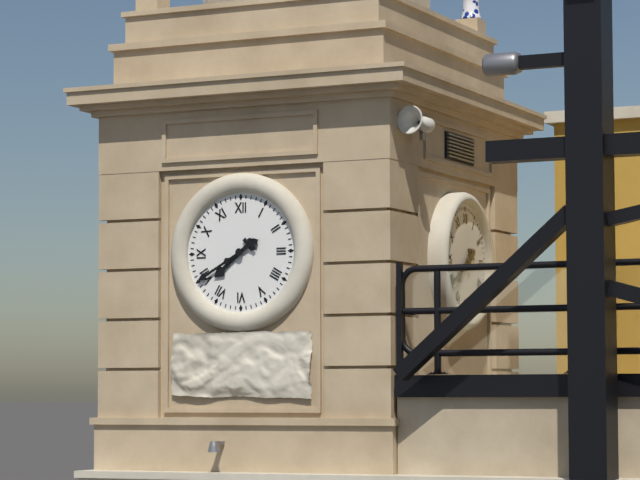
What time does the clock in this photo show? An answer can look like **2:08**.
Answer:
**7:40**
